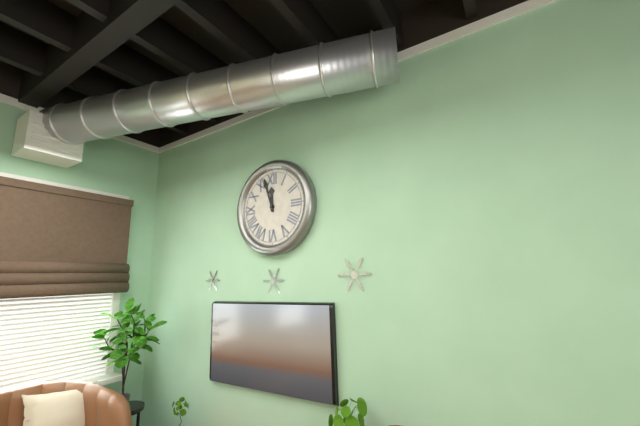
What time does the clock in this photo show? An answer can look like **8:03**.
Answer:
**11:57**
